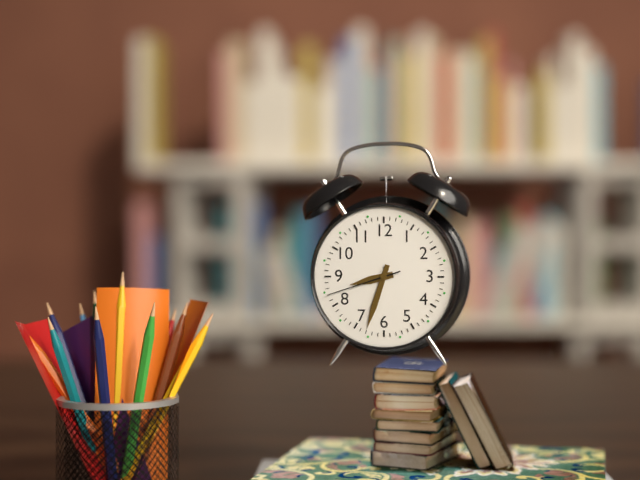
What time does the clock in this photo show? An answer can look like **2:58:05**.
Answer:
**8:33:42**
